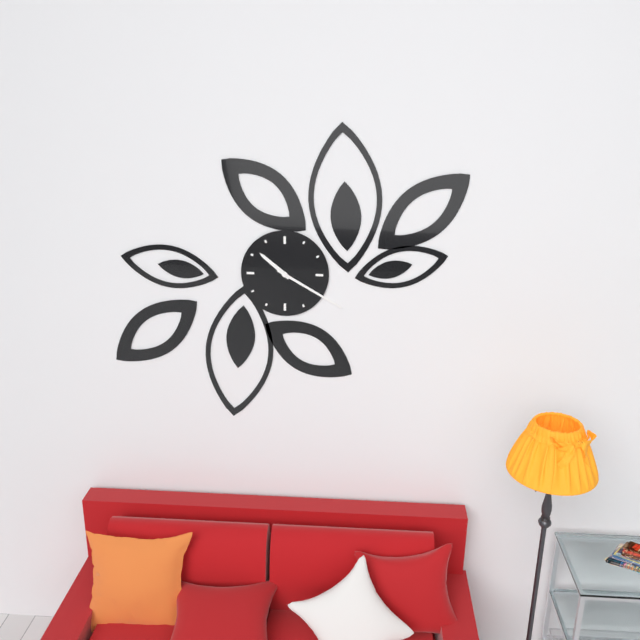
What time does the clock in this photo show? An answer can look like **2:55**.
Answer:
**10:20**
